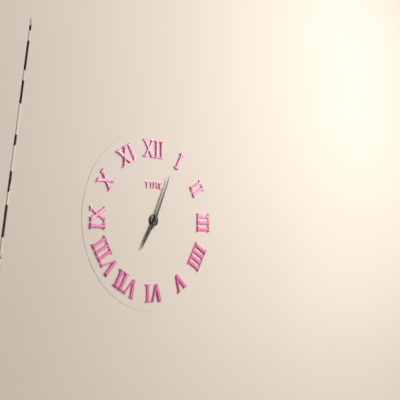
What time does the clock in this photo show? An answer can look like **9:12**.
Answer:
**7:04**
